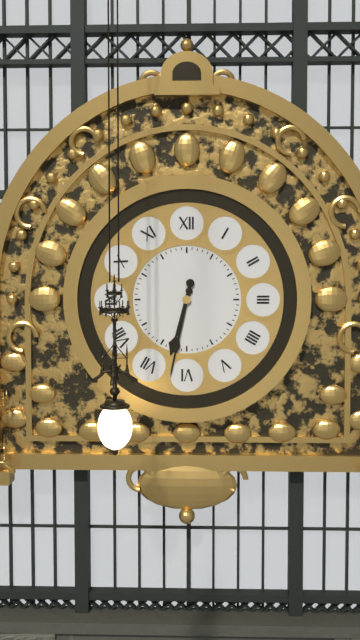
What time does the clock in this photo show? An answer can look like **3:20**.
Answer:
**6:32**
